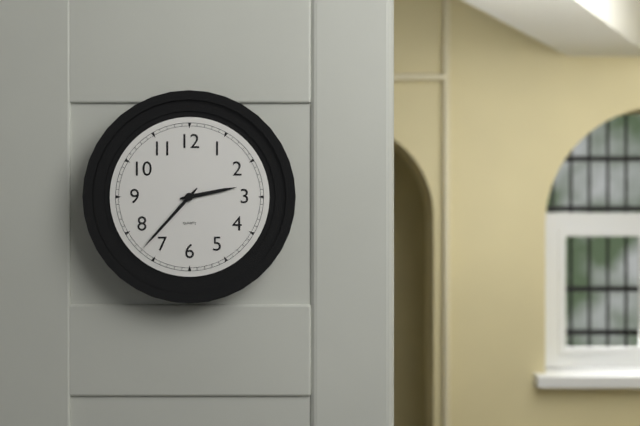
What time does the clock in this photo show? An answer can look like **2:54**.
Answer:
**2:37**
